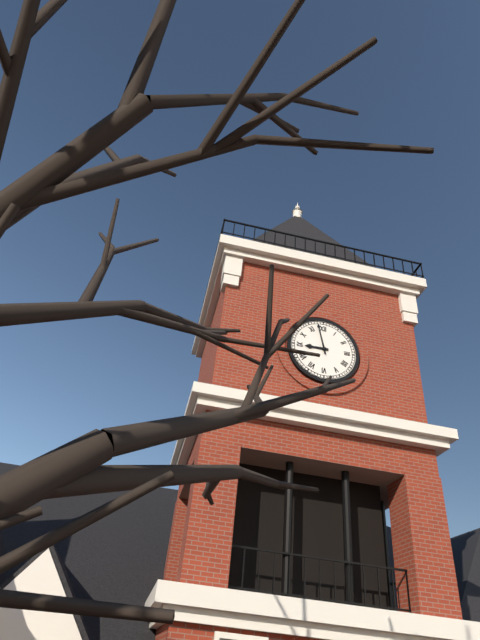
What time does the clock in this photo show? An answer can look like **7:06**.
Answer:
**8:58**
